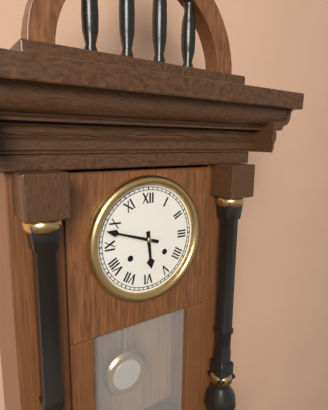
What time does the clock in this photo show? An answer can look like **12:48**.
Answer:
**5:48**
